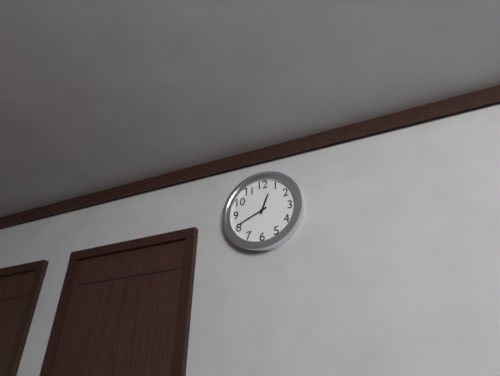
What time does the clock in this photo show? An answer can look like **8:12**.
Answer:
**12:41**
